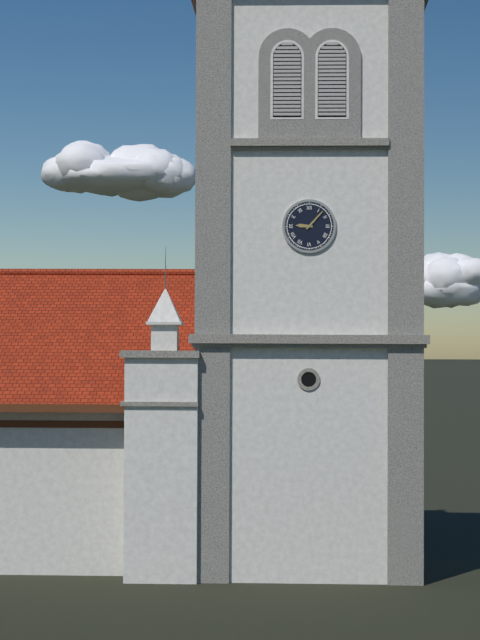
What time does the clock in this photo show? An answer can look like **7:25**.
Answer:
**9:07**
